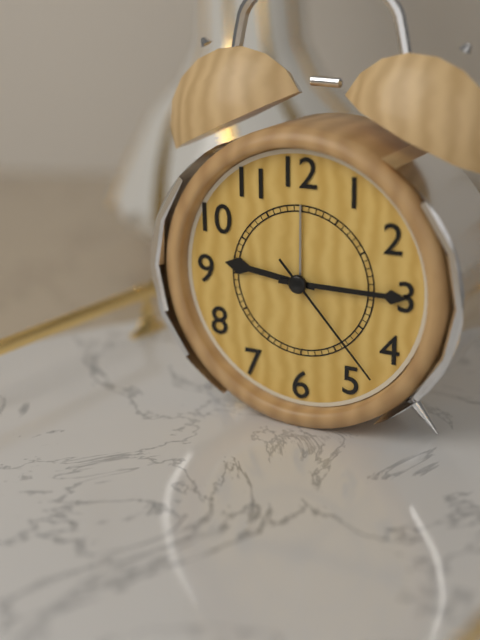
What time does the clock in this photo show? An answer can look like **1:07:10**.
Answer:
**9:15:23**
